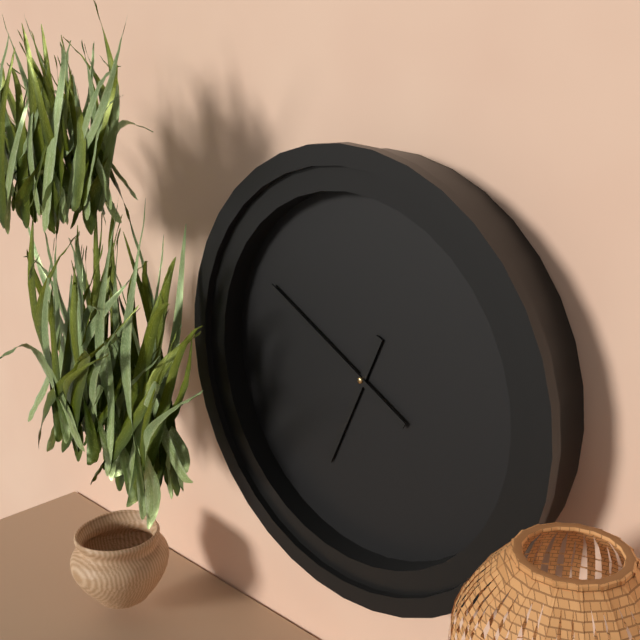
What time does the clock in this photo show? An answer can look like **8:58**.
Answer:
**6:50**
